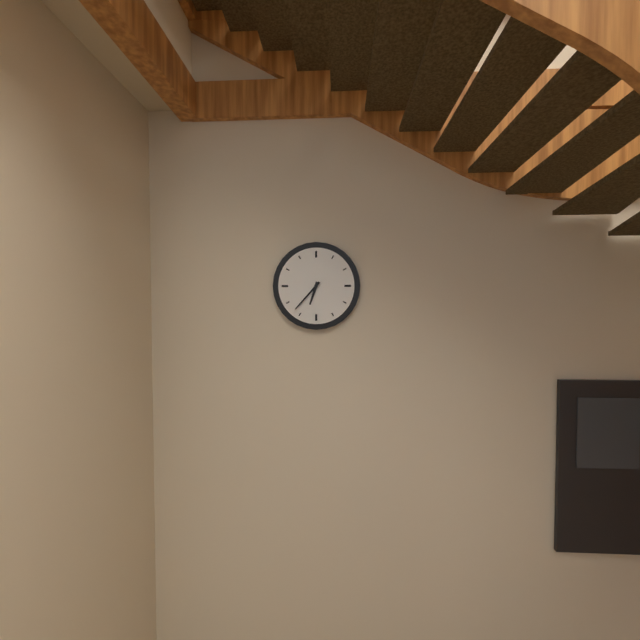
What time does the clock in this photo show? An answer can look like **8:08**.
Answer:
**6:37**
